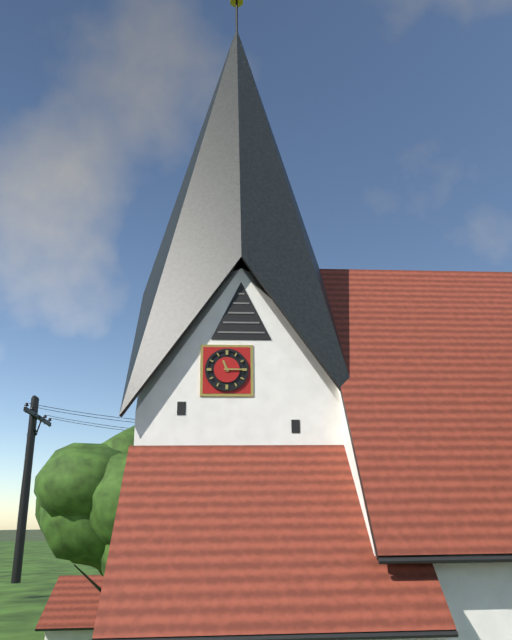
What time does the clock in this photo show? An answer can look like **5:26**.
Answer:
**11:15**
